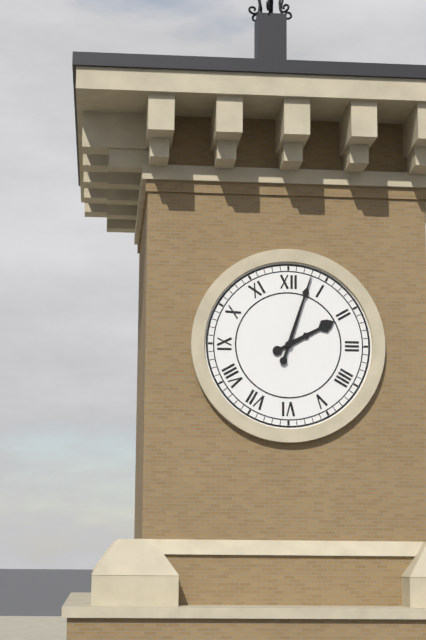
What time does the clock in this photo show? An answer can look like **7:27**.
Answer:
**2:03**
